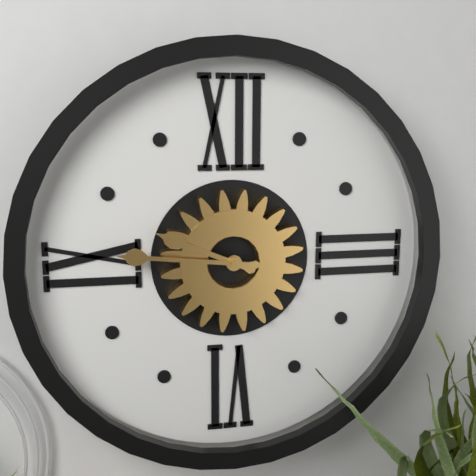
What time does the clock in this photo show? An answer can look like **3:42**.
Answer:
**9:46**
